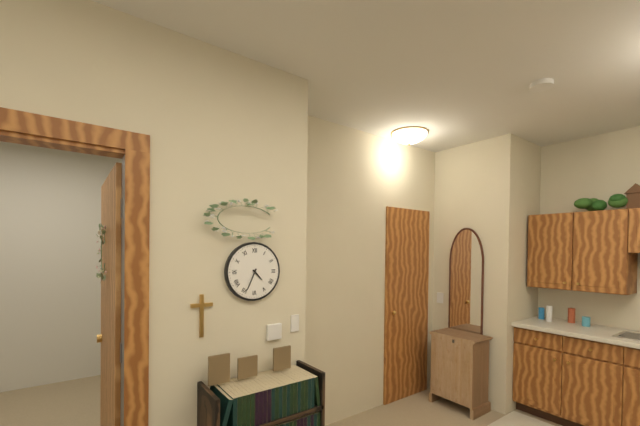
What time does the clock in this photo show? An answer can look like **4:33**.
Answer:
**4:34**
